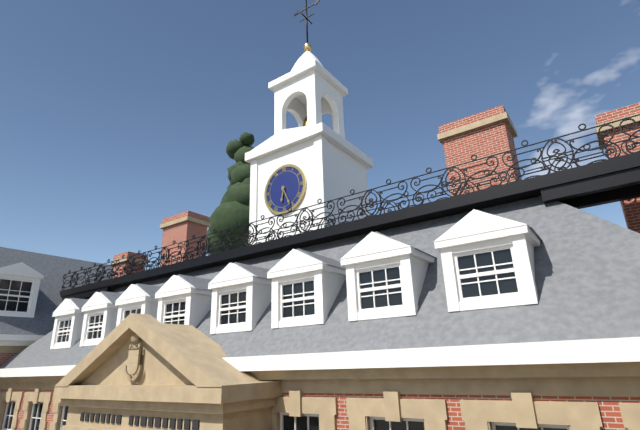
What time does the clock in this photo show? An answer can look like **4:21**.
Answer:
**6:26**
